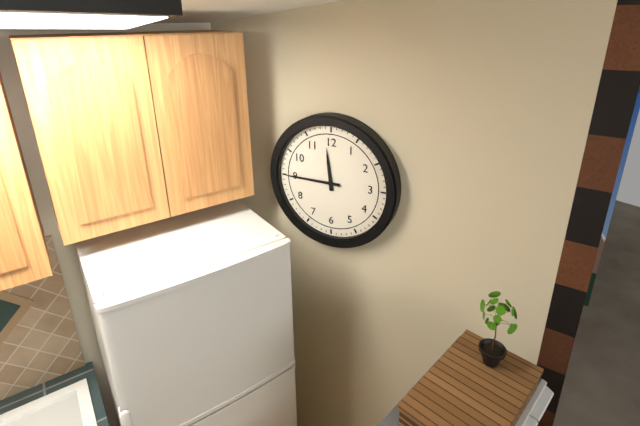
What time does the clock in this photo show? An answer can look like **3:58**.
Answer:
**11:45**
